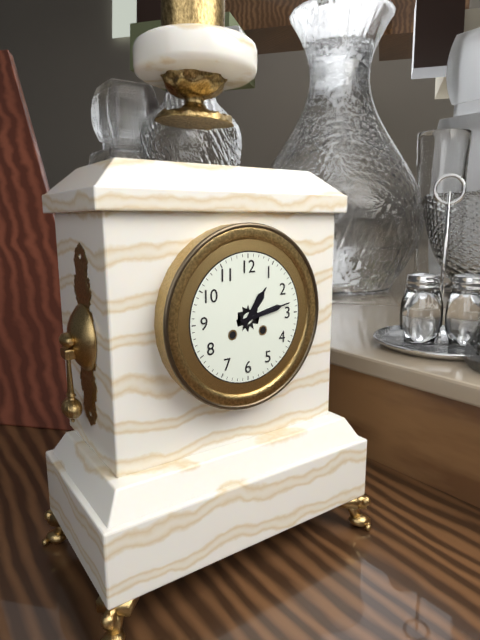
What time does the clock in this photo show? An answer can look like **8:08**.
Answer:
**1:13**
